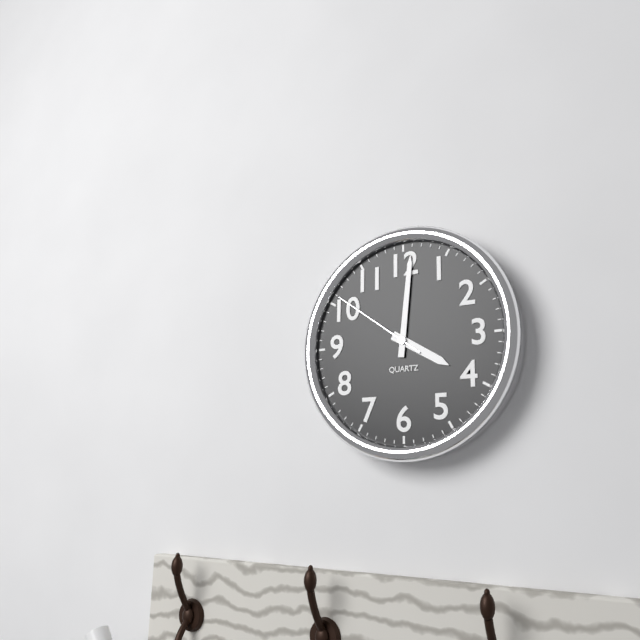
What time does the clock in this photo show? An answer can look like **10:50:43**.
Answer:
**4:01:51**
